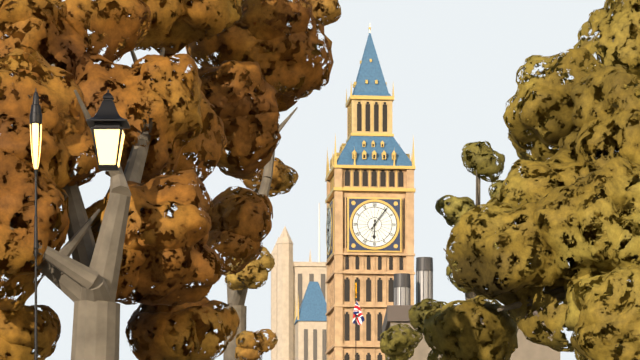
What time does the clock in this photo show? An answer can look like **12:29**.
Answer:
**6:06**
